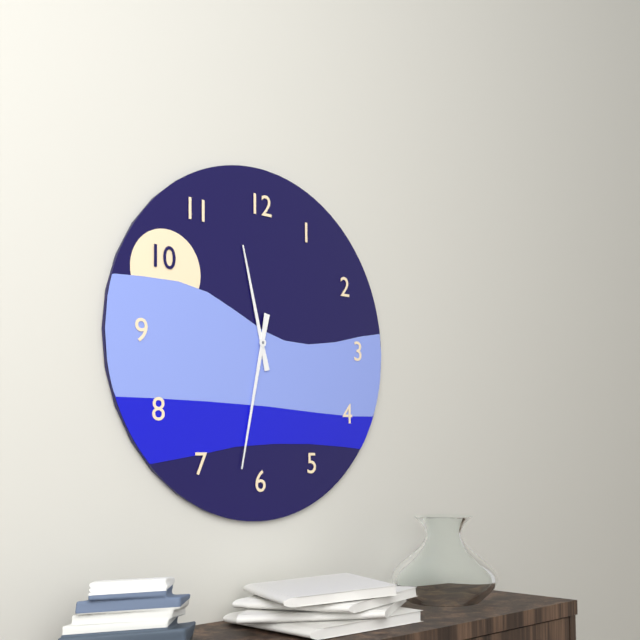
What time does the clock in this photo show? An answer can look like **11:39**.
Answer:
**11:32**
